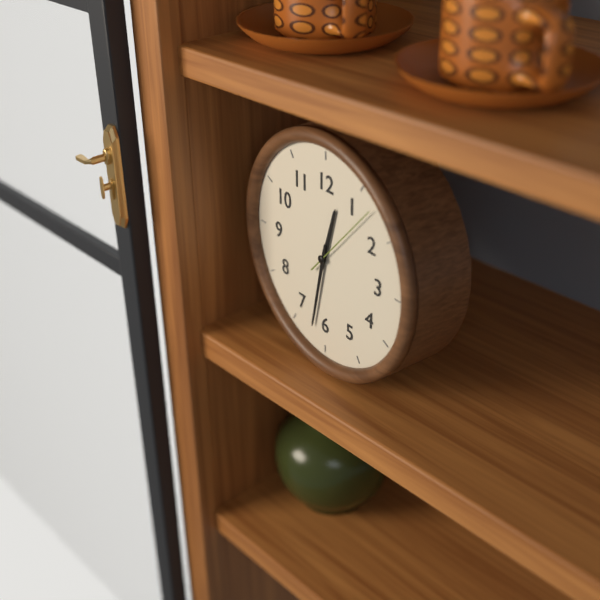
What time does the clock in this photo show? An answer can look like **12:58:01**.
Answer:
**12:32:07**
